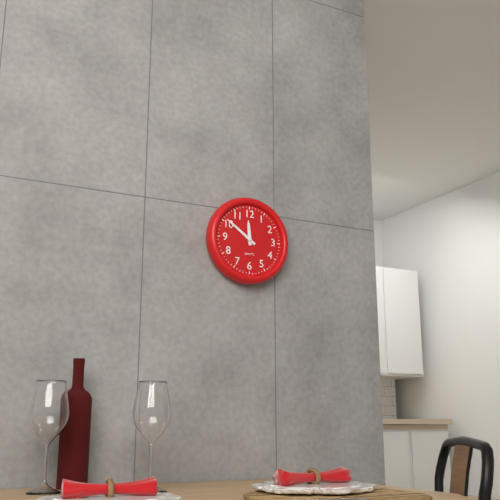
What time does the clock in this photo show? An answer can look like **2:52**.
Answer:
**11:51**
